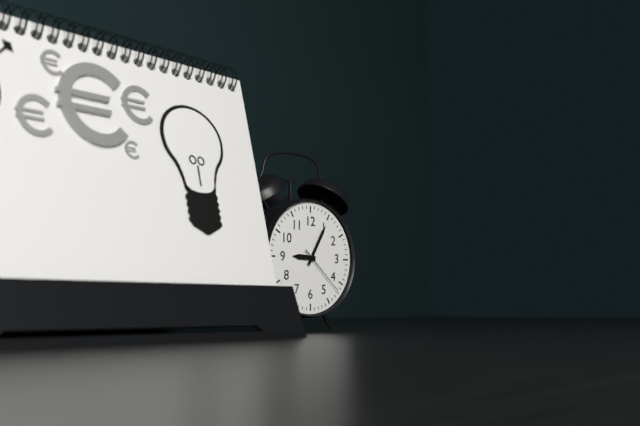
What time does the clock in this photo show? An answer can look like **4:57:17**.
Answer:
**9:05:22**
